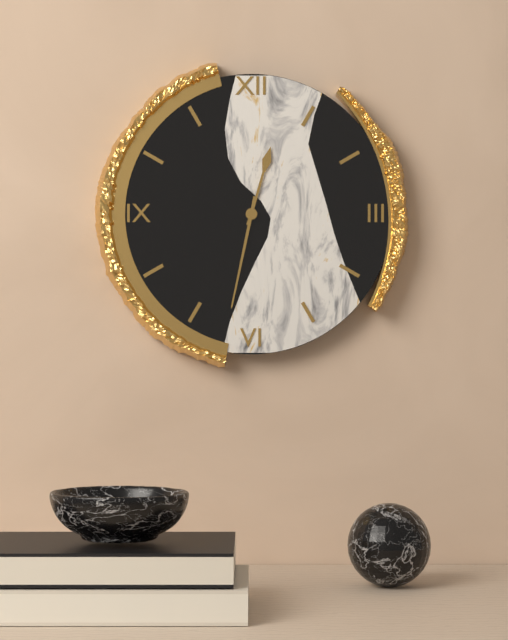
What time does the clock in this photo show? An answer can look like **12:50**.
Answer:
**12:32**
